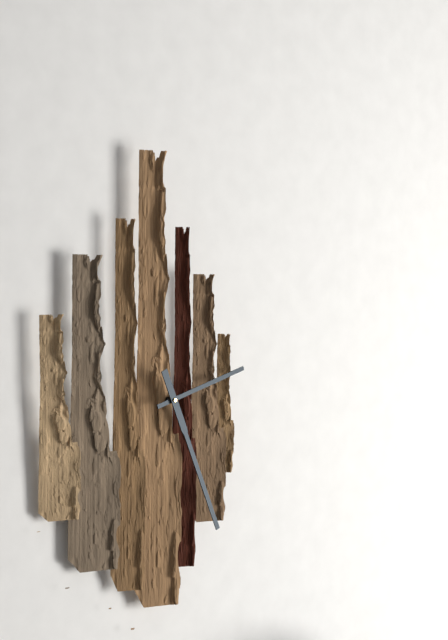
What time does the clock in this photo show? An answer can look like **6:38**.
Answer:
**2:26**
